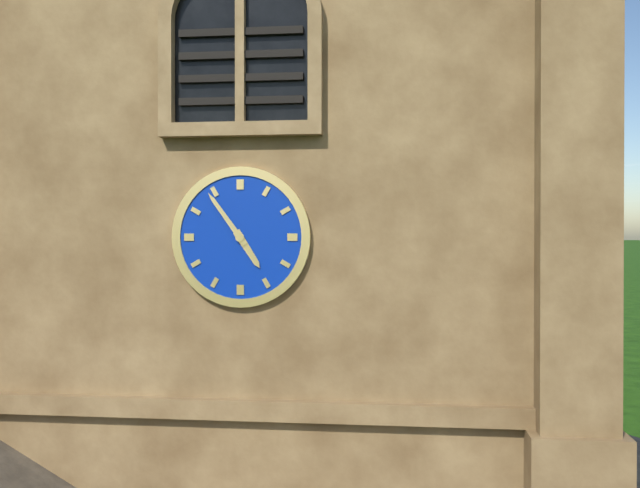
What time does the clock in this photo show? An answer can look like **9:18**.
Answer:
**4:54**
